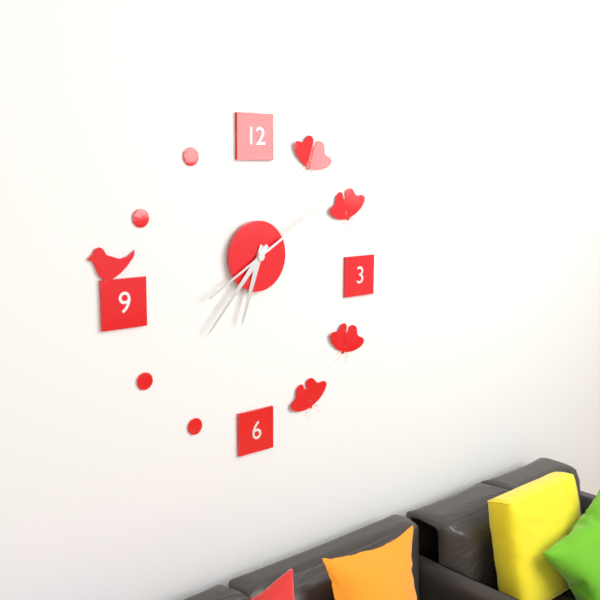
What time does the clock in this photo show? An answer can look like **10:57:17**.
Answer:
**6:37:10**
